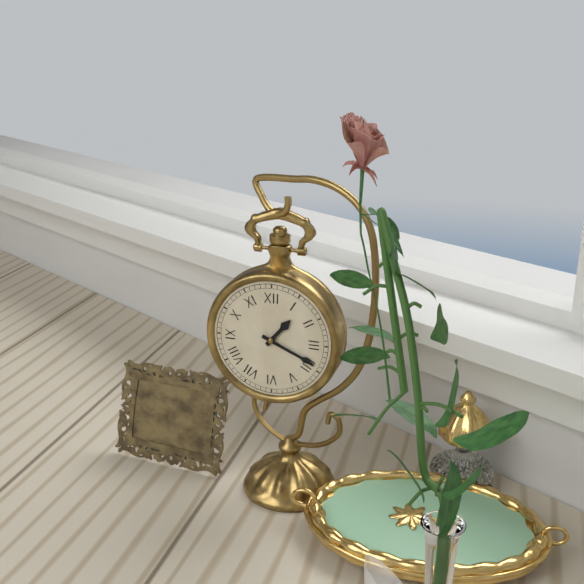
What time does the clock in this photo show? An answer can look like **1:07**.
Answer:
**1:19**
